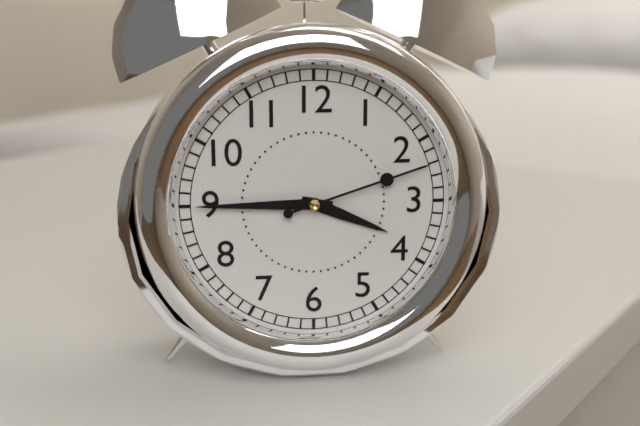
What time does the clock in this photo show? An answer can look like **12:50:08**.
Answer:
**3:45:12**
